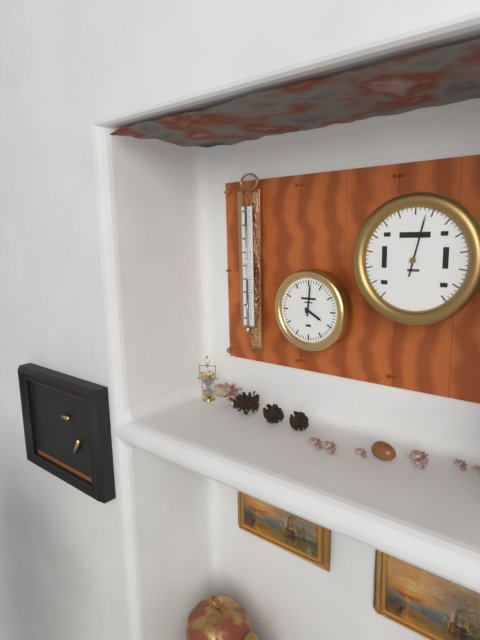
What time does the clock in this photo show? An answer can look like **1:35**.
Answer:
**4:01**
